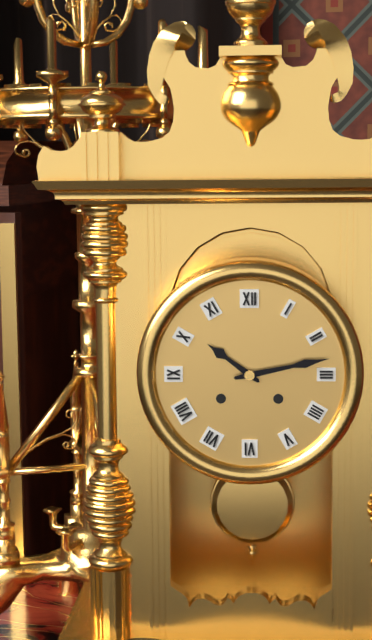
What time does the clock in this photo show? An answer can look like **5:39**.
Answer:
**10:13**
